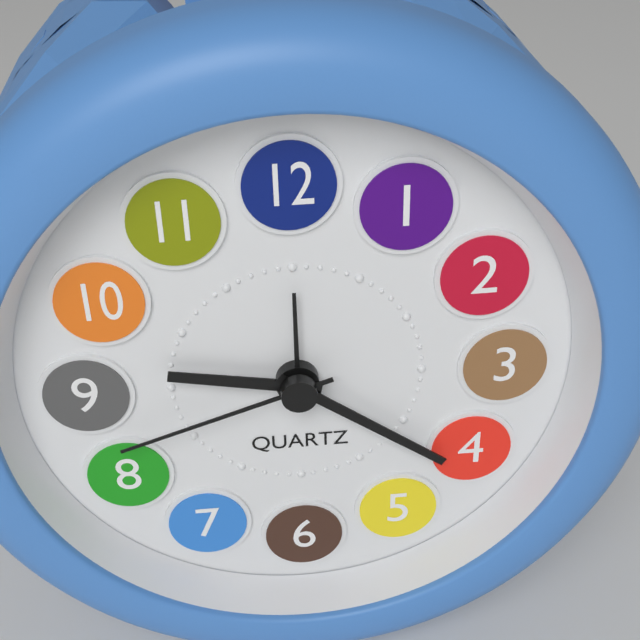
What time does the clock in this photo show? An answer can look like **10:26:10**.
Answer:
**9:21:42**
